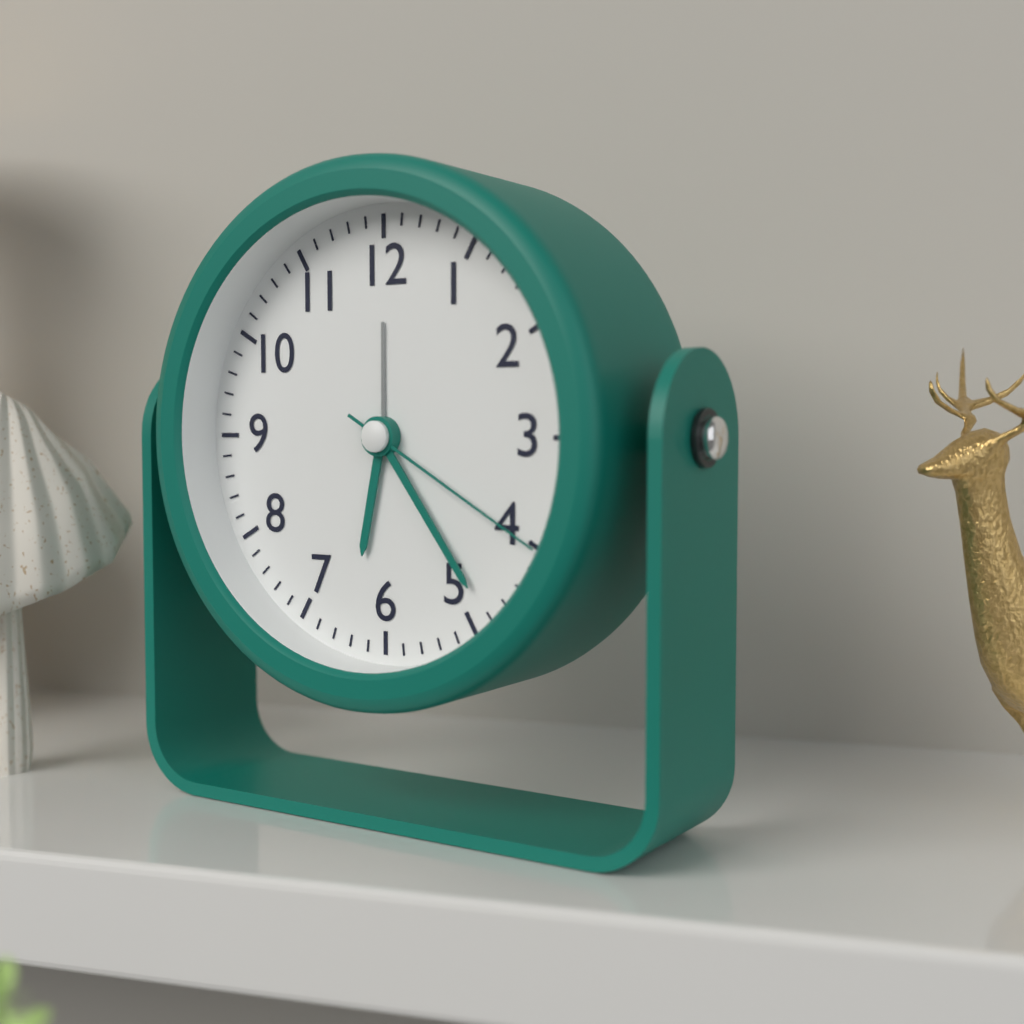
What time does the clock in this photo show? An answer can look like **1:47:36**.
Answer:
**6:24:20**
